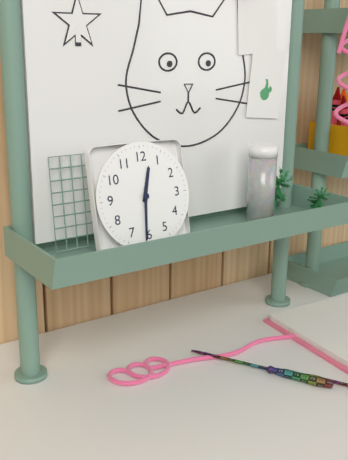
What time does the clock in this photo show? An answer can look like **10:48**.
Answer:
**12:31**
